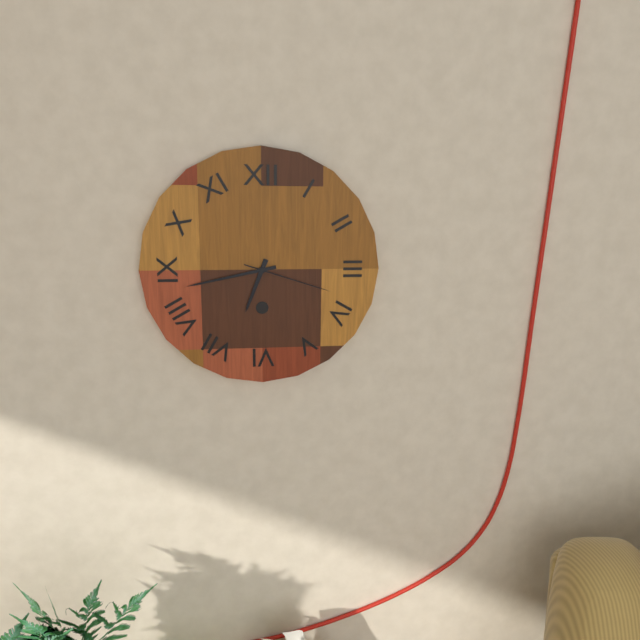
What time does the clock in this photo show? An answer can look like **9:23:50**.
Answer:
**6:43:18**
